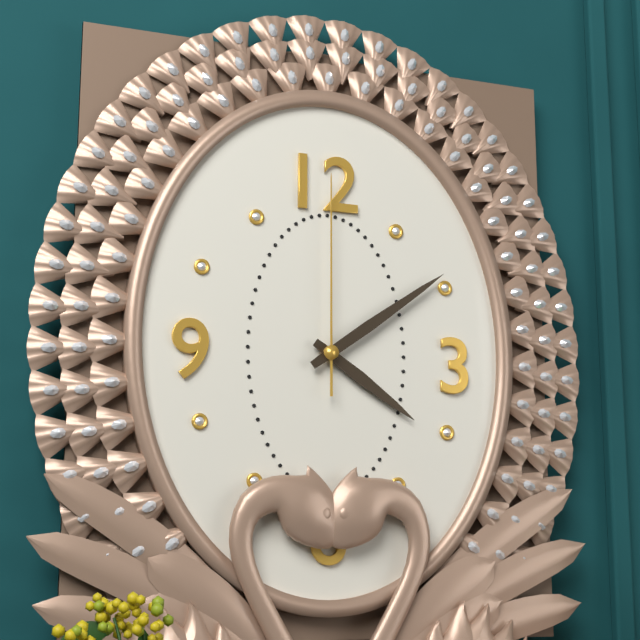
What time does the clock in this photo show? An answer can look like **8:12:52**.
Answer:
**4:09:00**
